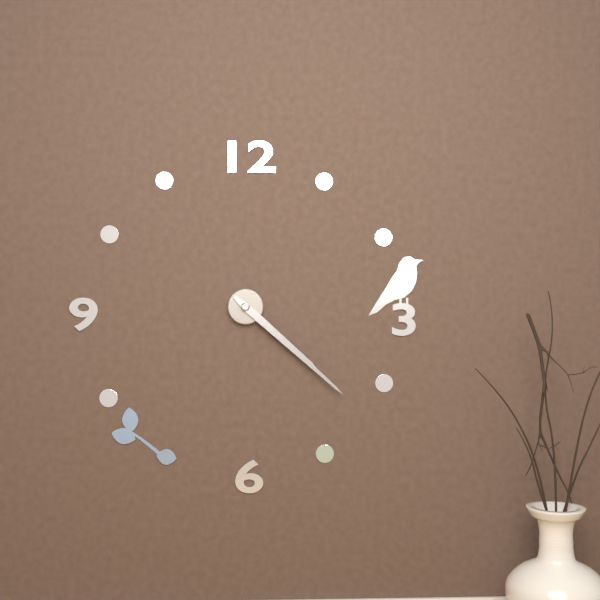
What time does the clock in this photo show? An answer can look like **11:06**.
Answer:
**4:22**
